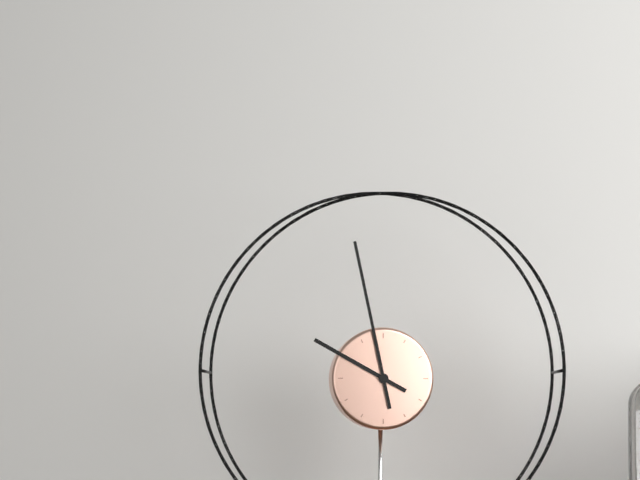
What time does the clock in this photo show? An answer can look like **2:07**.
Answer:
**9:58**
